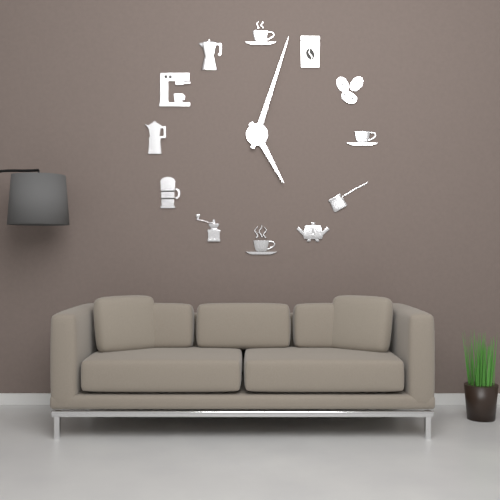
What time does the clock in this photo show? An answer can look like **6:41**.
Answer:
**5:03**
